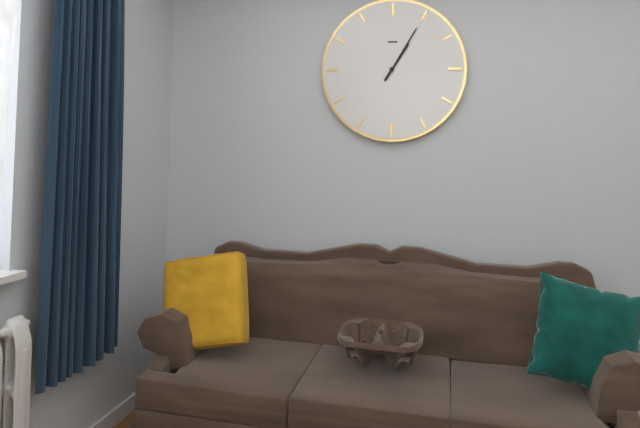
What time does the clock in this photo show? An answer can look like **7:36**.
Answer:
**1:05**
